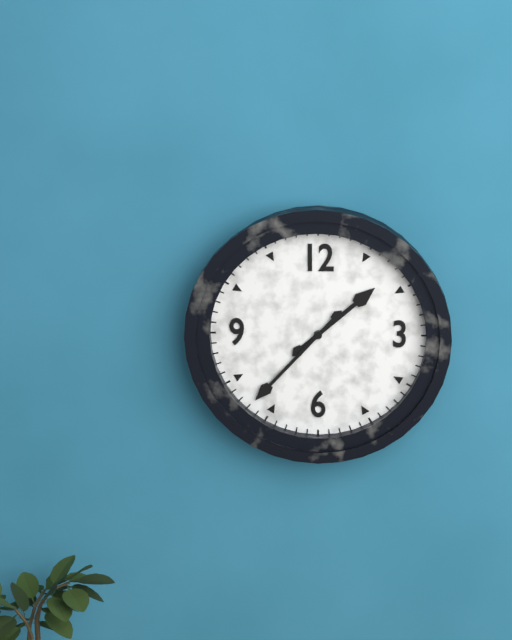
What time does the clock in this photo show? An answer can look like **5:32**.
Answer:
**1:37**
